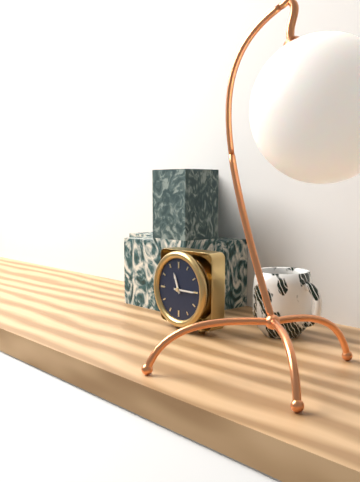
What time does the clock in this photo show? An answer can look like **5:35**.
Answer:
**11:15**
